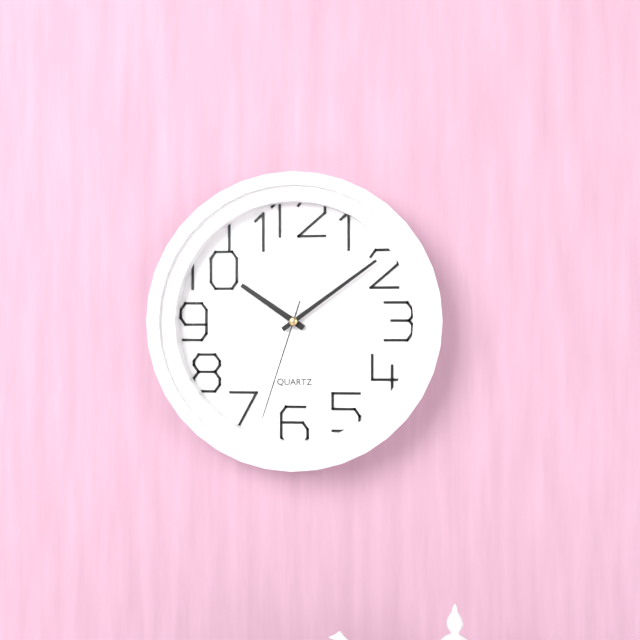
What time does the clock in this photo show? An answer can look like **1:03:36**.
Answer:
**10:09:33**
